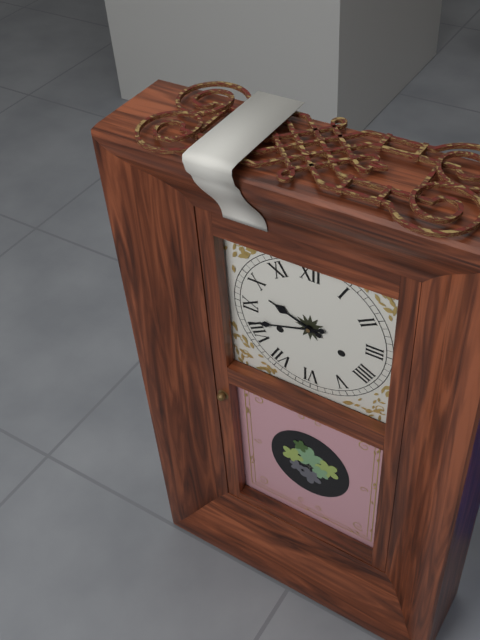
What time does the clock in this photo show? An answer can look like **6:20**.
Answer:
**9:42**
